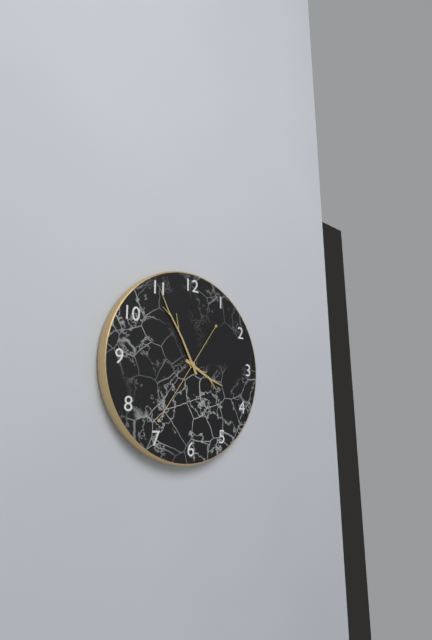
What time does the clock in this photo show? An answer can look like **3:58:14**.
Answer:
**3:55:36**
